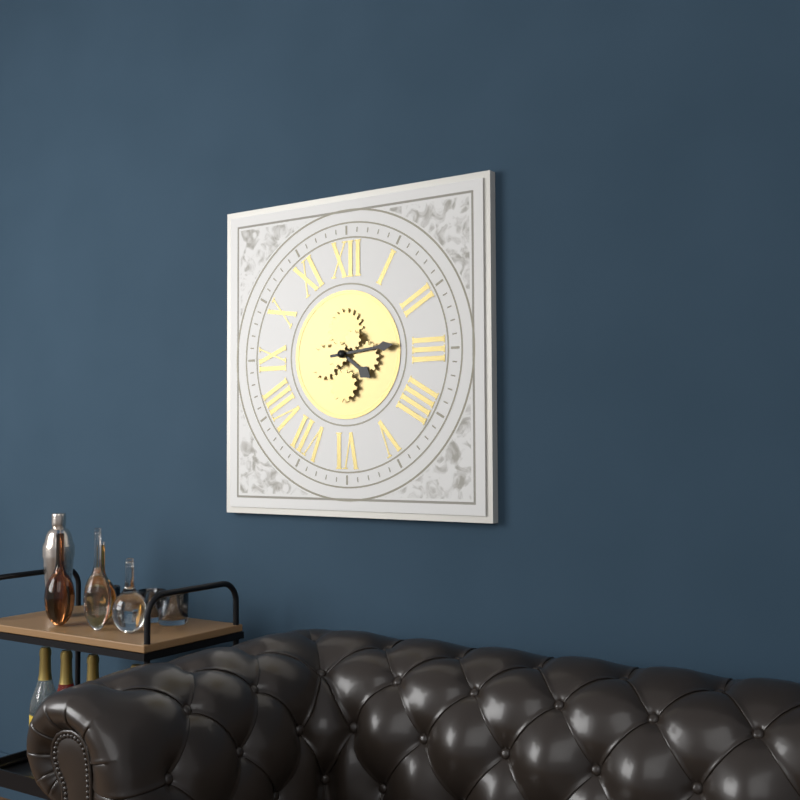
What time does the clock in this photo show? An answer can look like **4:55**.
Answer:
**4:14**
